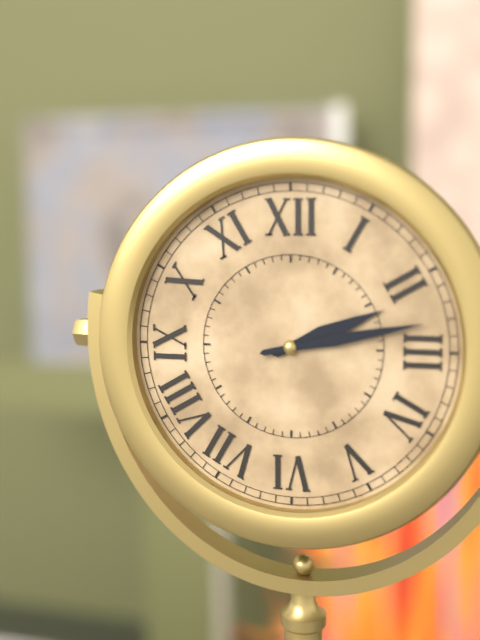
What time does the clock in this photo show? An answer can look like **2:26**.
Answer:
**2:13**
